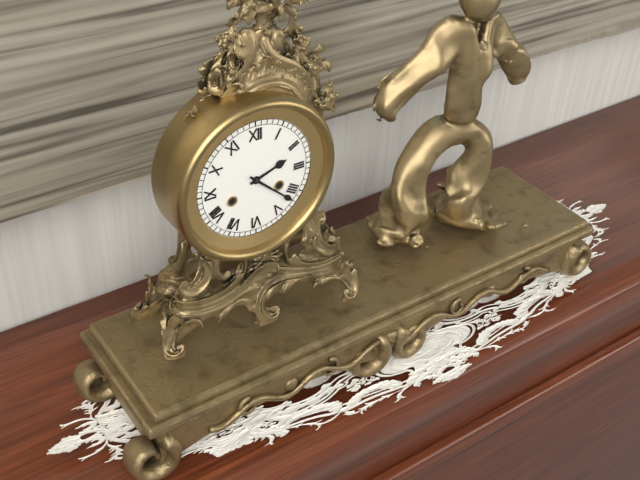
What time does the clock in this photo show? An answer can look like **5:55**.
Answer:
**2:22**
